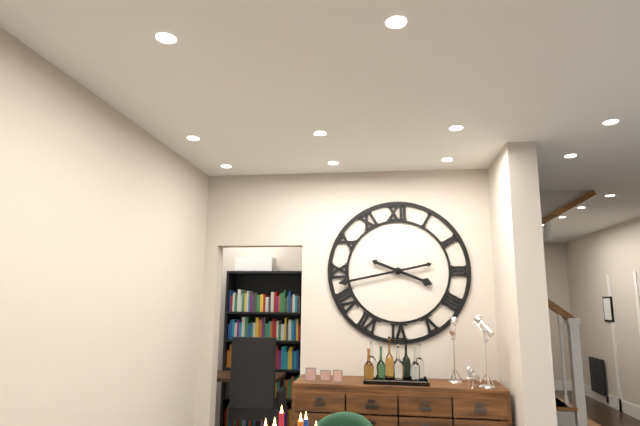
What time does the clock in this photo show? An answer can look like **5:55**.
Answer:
**3:43**
